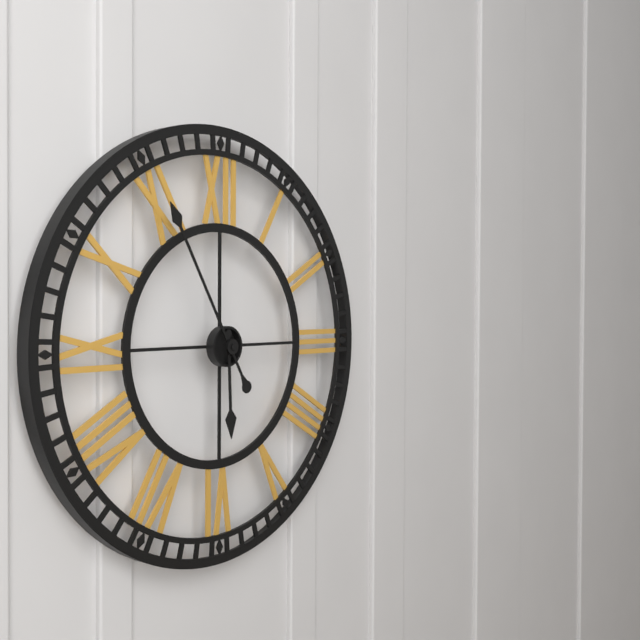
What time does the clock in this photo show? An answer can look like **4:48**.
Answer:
**5:55**
